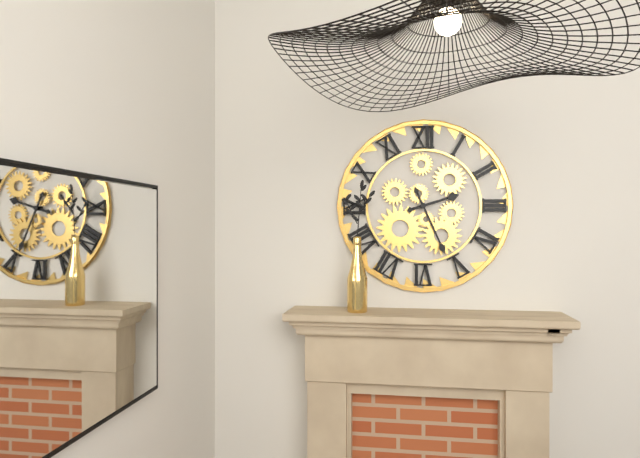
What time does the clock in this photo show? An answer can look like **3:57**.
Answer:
**2:26**
